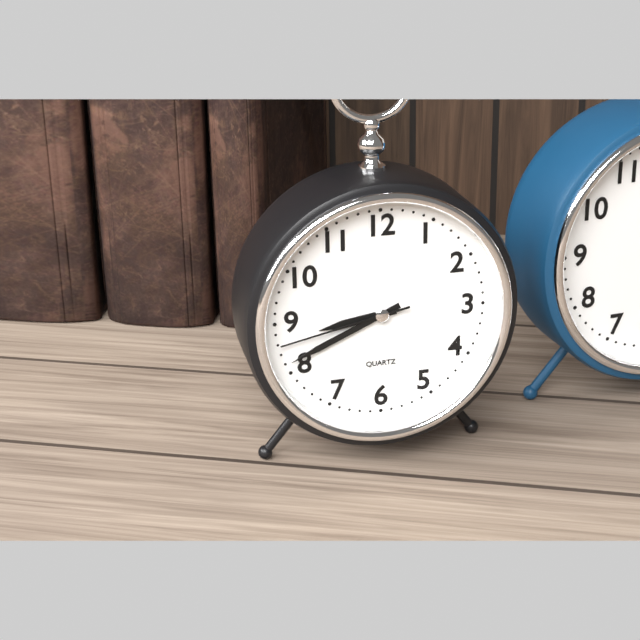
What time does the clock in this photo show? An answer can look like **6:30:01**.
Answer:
**8:41:43**
